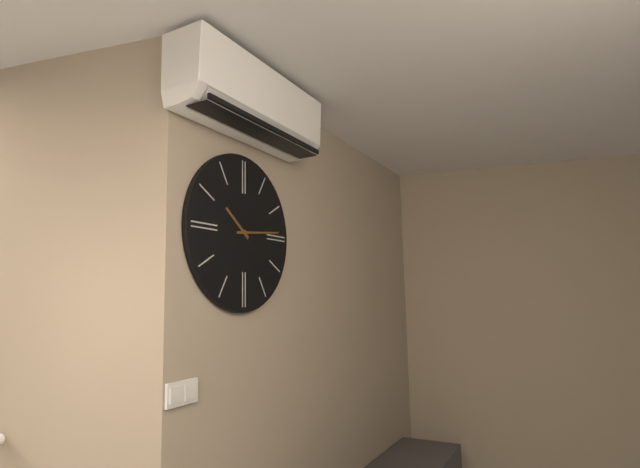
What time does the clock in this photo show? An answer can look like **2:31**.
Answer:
**10:14**
